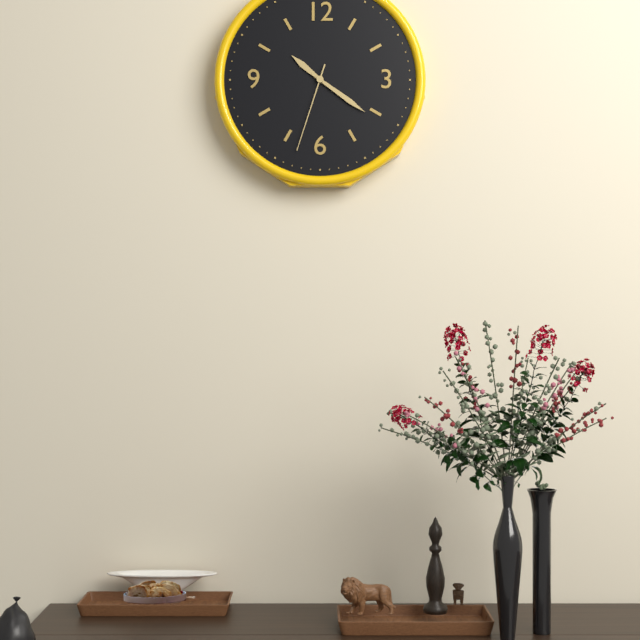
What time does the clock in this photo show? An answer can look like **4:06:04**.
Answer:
**10:21:33**
